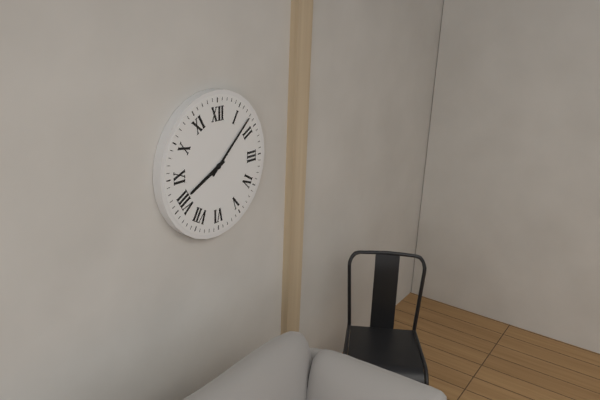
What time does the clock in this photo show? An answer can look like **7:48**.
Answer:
**8:08**
